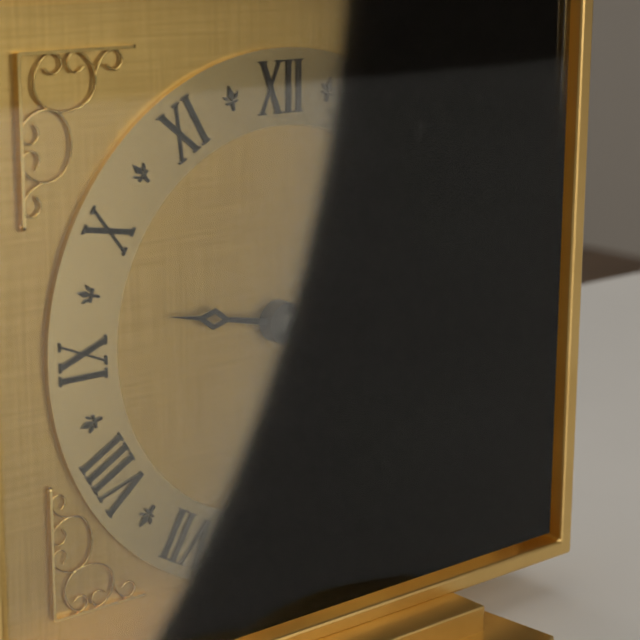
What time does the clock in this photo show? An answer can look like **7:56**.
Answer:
**9:22**
